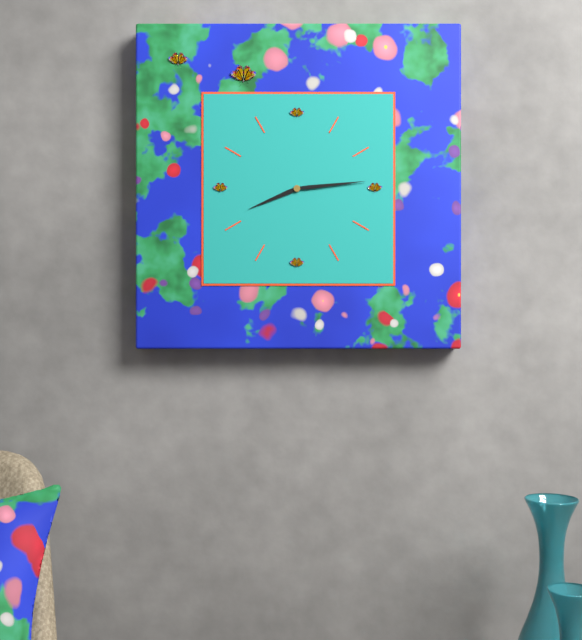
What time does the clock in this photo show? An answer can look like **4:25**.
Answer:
**8:14**
